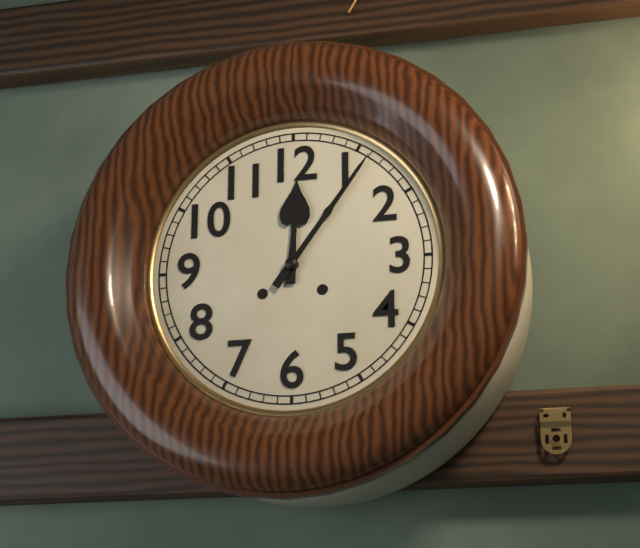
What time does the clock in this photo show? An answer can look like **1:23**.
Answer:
**12:06**
